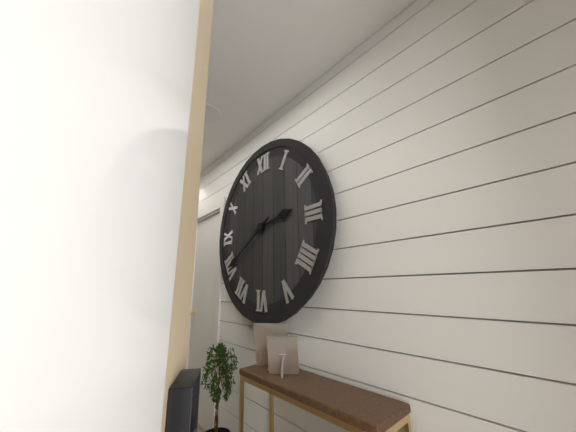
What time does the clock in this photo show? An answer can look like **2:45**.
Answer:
**2:40**
